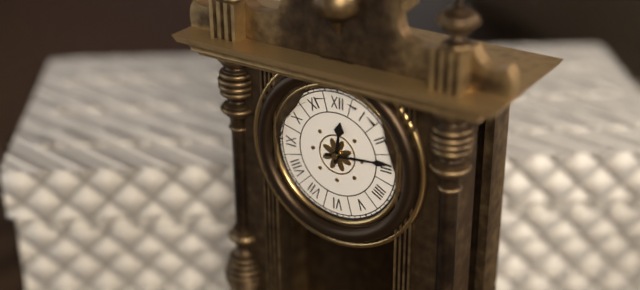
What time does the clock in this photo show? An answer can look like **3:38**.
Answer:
**12:14**
